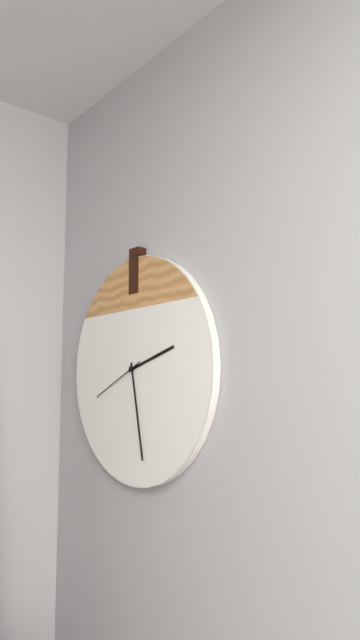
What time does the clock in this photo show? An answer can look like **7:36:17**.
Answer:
**2:28:41**
